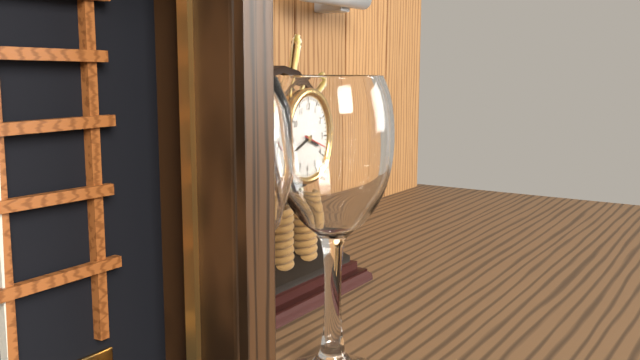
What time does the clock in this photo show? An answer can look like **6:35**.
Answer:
**3:42**
